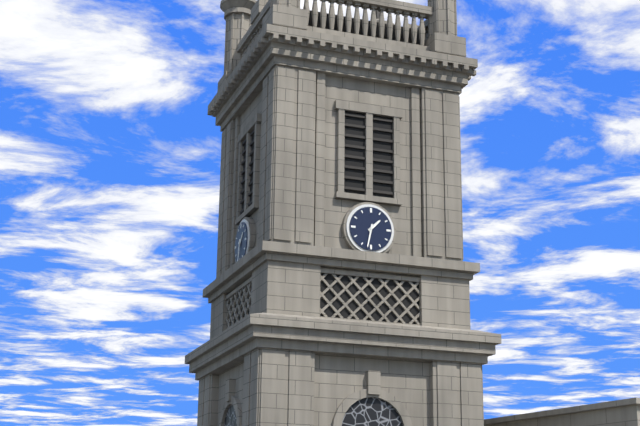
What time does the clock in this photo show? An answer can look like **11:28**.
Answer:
**1:32**
